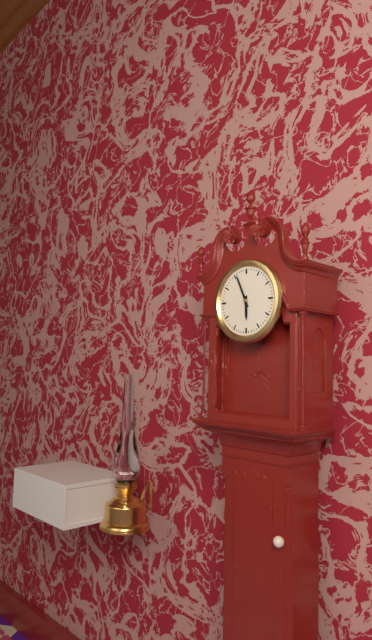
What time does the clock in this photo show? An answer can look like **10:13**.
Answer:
**5:56**
